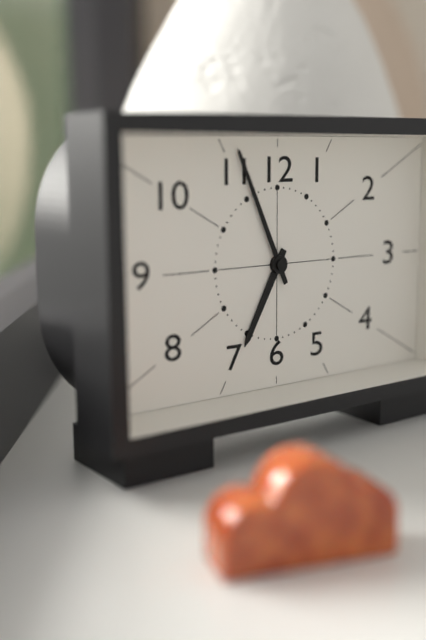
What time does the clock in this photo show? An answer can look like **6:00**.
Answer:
**6:56**
